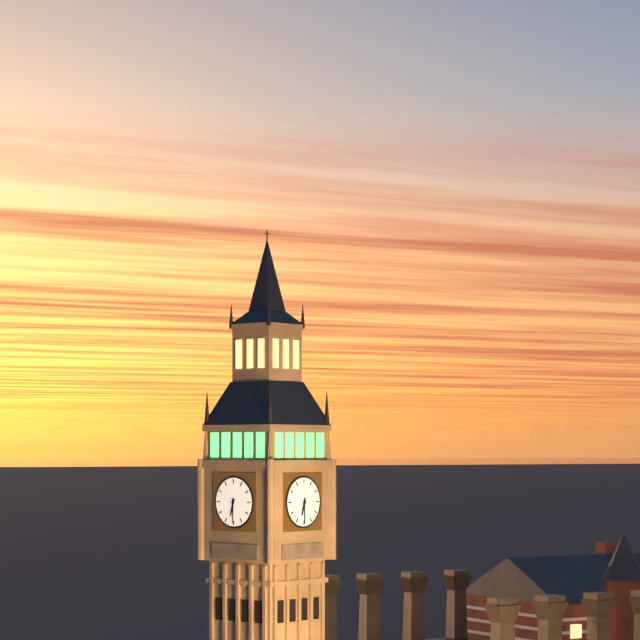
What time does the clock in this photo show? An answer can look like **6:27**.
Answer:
**6:30**
